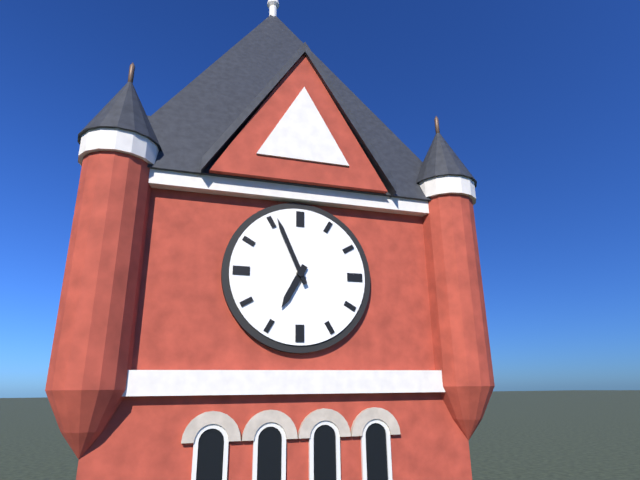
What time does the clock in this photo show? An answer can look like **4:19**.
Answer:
**6:56**
